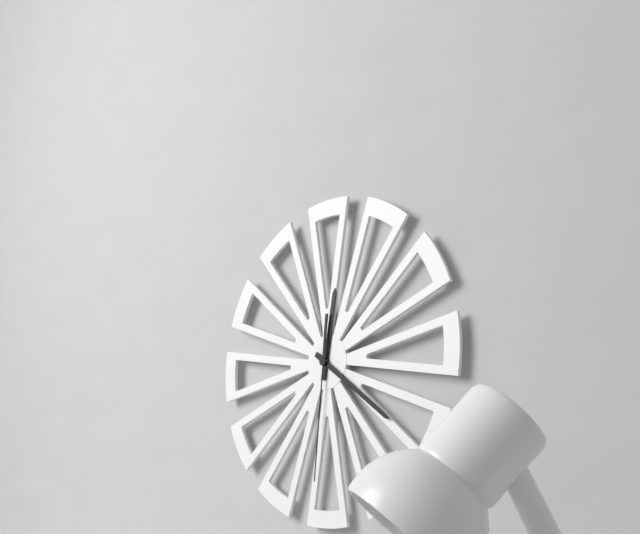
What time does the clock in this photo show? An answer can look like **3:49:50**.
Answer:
**12:21:31**
